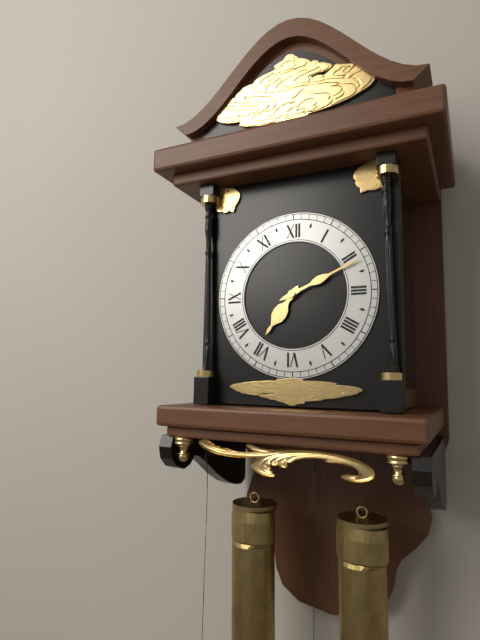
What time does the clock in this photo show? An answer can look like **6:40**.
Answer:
**7:11**
